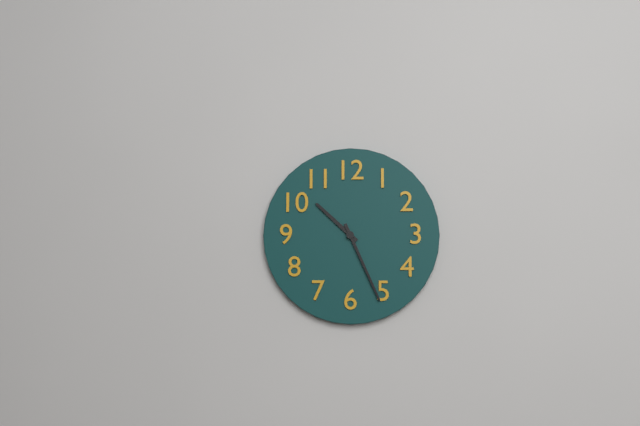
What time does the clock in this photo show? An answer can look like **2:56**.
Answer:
**10:26**
